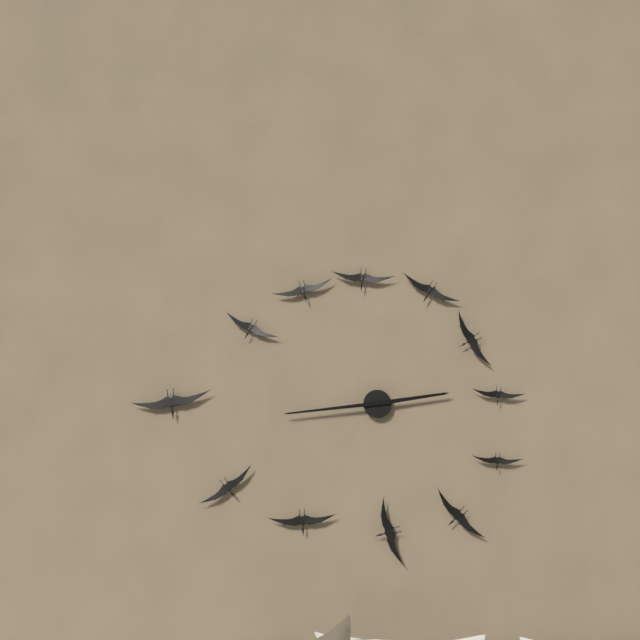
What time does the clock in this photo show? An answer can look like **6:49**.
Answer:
**2:44**
